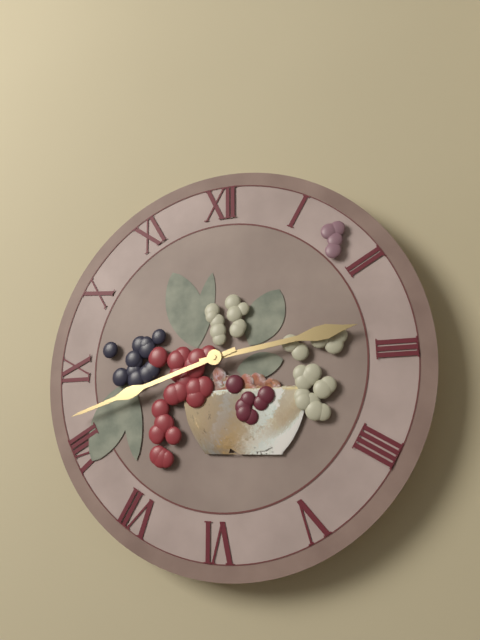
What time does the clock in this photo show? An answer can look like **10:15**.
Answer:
**2:42**
